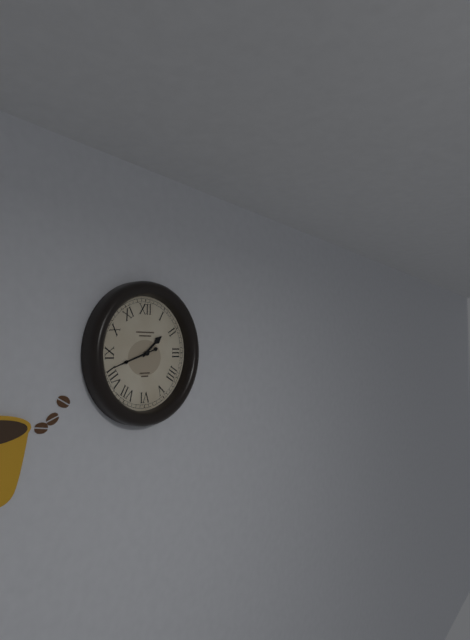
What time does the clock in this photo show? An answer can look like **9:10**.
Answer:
**1:42**
